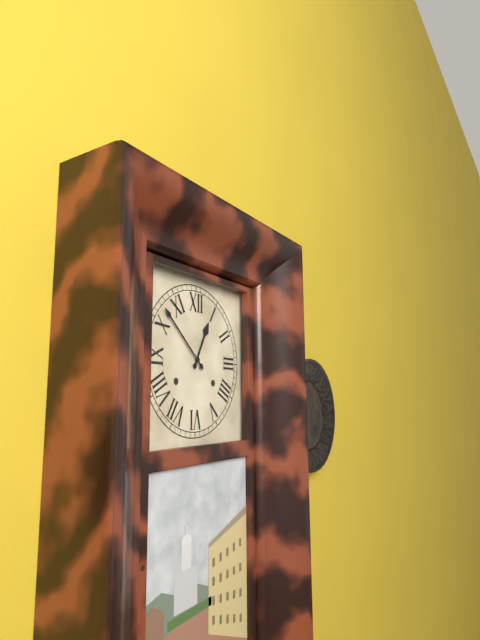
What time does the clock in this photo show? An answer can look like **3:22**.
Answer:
**12:52**
